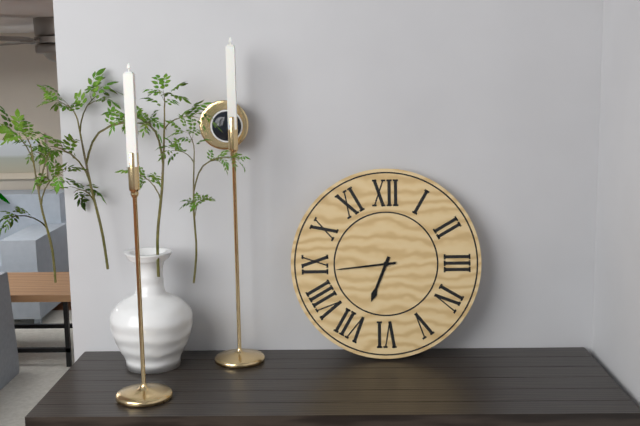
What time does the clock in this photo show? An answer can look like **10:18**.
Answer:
**6:44**
